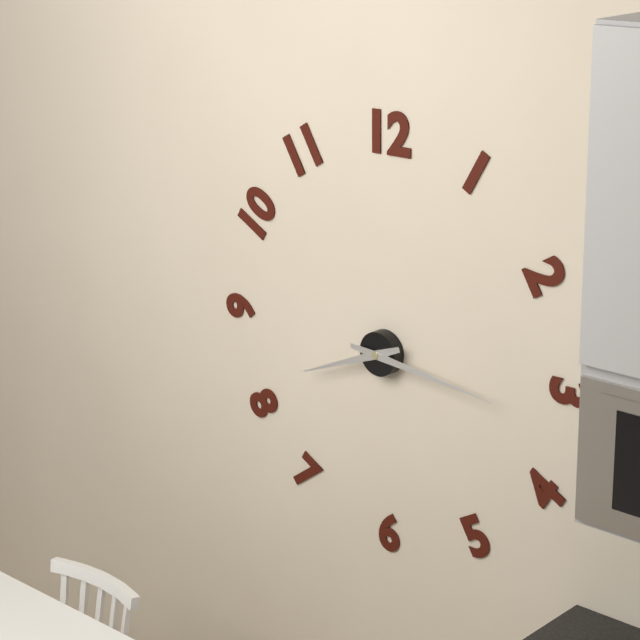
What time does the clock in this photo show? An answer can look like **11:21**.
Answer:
**8:16**
